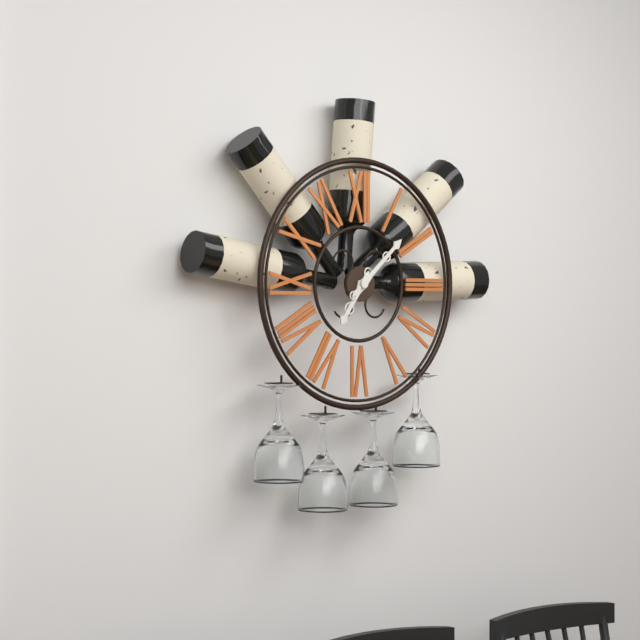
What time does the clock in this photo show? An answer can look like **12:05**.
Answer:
**7:08**
